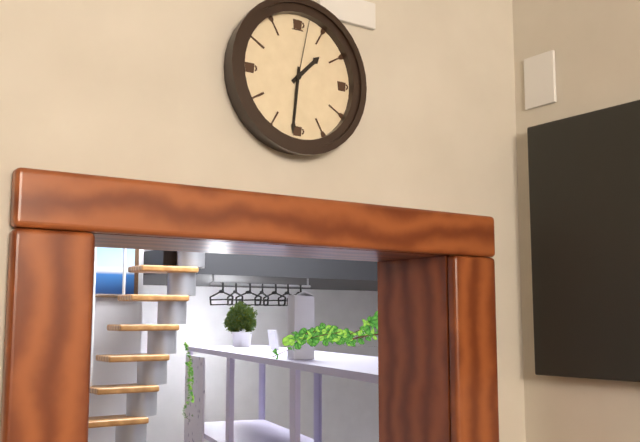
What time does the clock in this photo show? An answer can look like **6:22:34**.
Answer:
**1:31:02**
